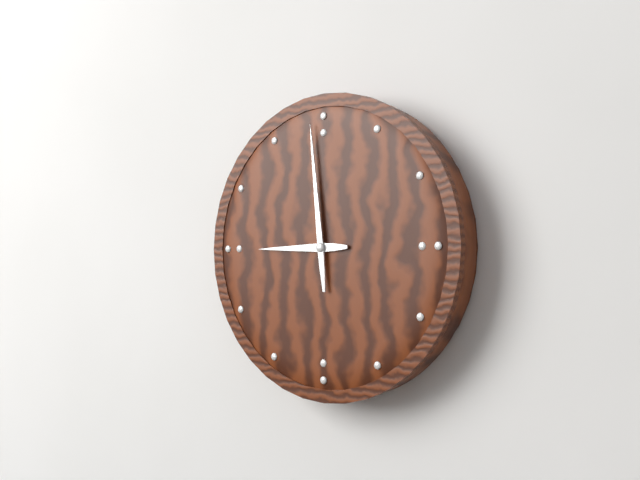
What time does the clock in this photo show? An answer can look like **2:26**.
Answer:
**8:59**
